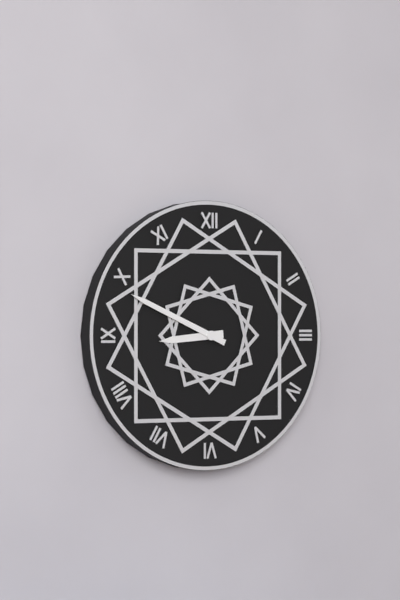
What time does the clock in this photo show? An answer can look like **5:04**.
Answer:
**8:49**
